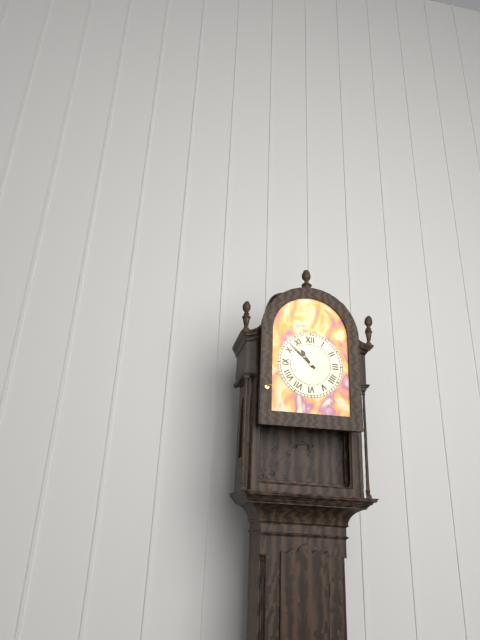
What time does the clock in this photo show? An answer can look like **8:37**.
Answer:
**10:52**
